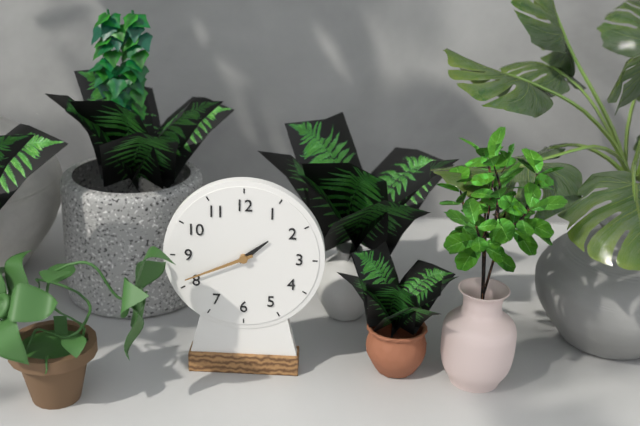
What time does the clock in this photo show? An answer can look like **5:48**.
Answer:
**1:41**
